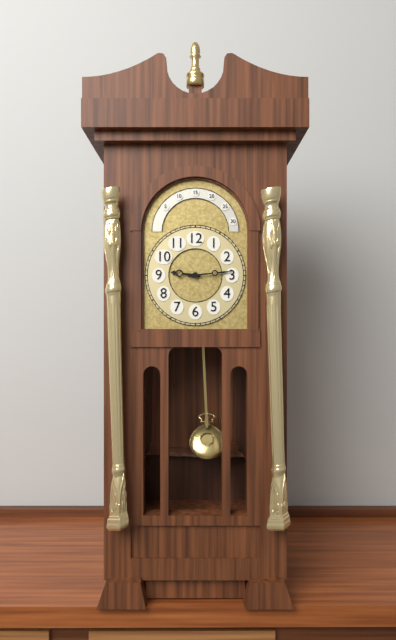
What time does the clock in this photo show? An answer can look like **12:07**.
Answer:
**9:14**
